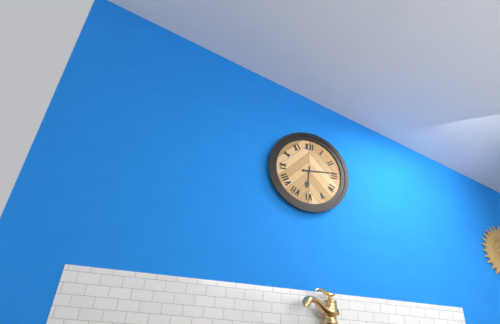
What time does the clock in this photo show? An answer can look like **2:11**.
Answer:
**6:14**
